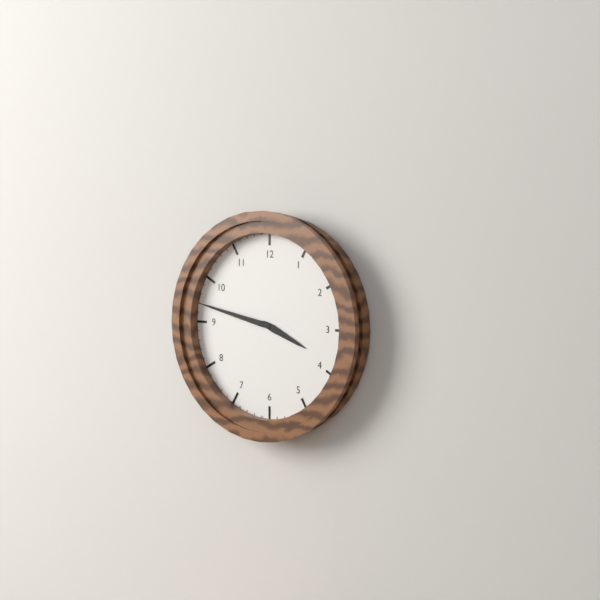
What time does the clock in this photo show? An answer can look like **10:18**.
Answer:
**3:47**
